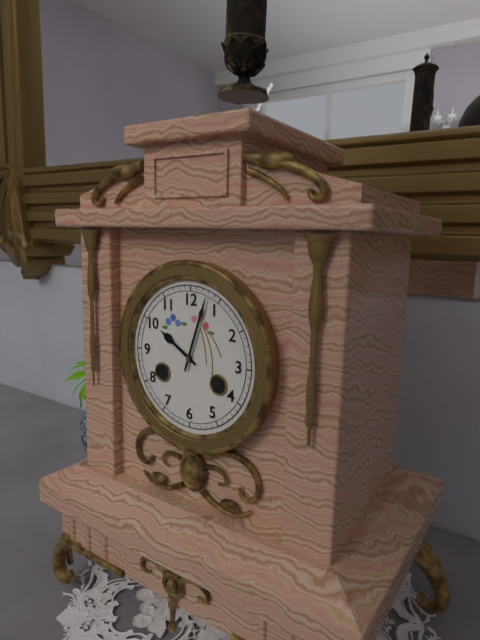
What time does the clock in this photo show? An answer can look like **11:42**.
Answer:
**10:03**
